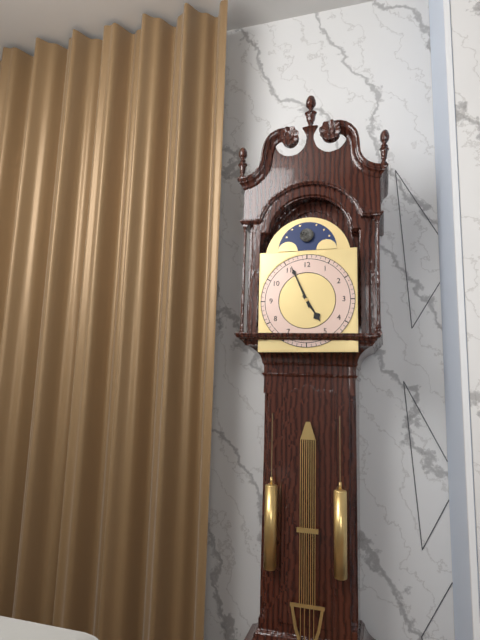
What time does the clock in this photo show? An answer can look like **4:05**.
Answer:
**4:56**
